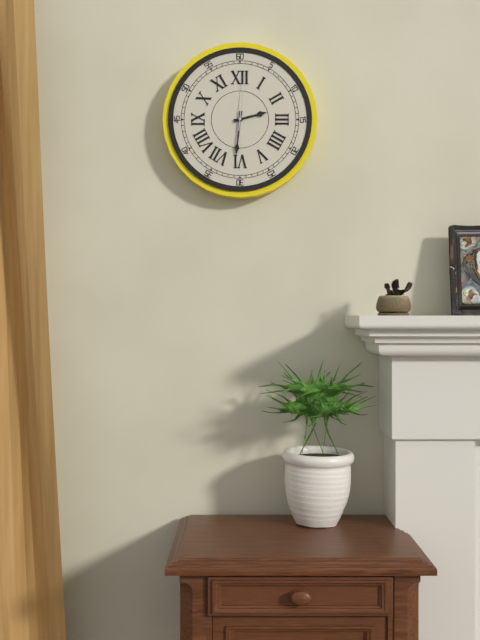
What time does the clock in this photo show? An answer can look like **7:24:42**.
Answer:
**2:31:01**
